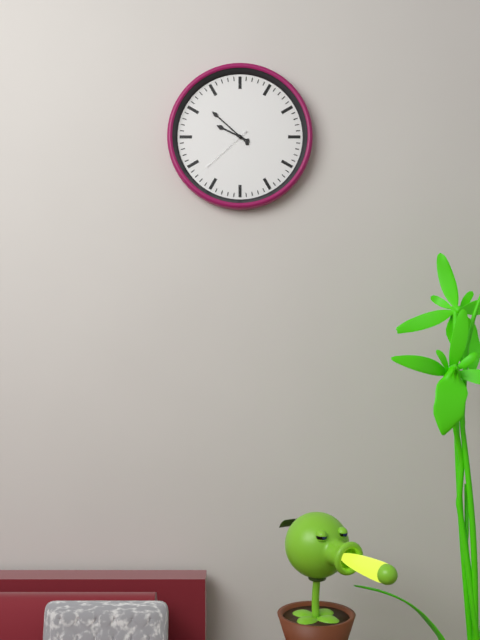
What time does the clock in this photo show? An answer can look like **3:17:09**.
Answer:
**9:52:38**
